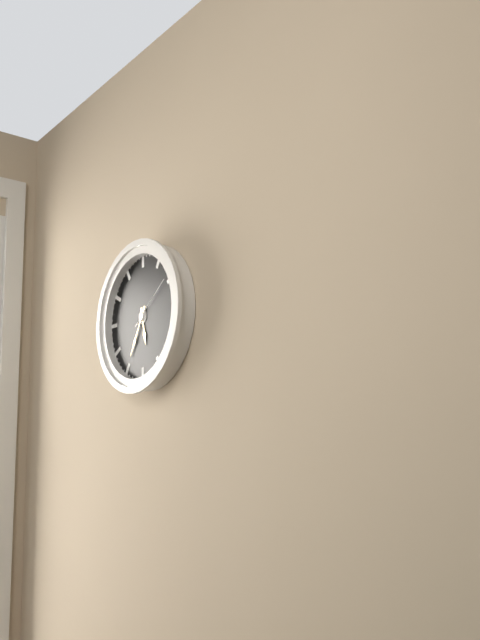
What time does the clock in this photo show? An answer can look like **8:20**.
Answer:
**5:35**
